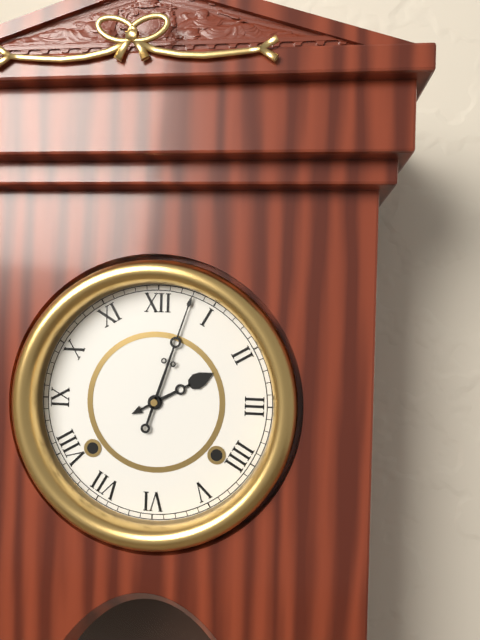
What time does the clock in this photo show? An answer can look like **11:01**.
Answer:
**2:03**
